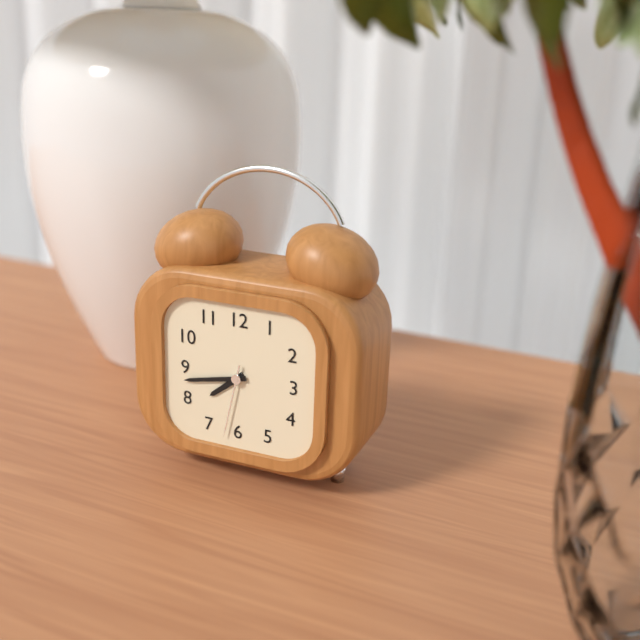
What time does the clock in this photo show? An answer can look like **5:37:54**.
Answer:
**7:43:32**
